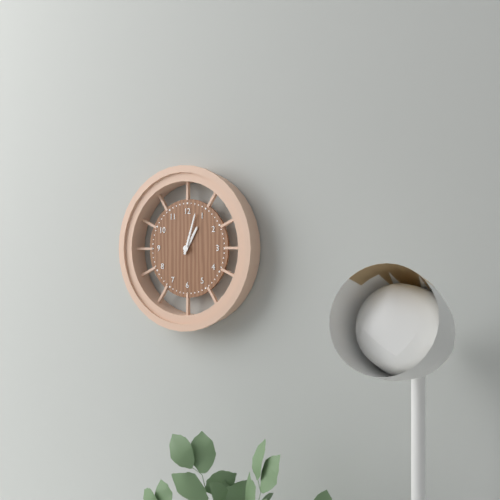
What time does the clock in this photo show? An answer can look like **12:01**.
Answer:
**1:03**
